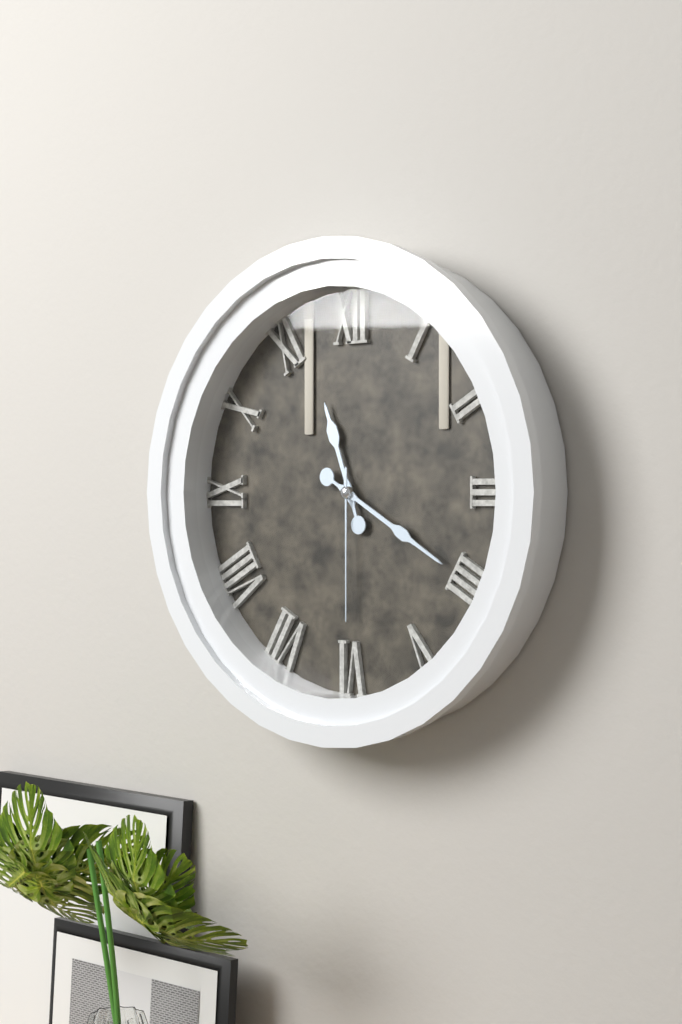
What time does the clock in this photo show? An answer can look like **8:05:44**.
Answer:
**11:20:30**
